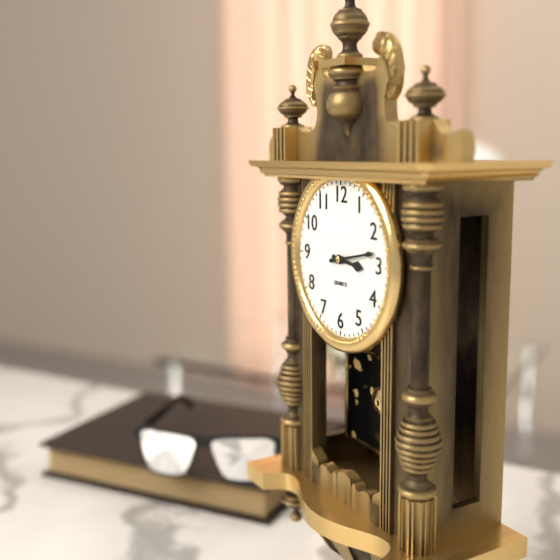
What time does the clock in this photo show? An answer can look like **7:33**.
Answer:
**3:13**
